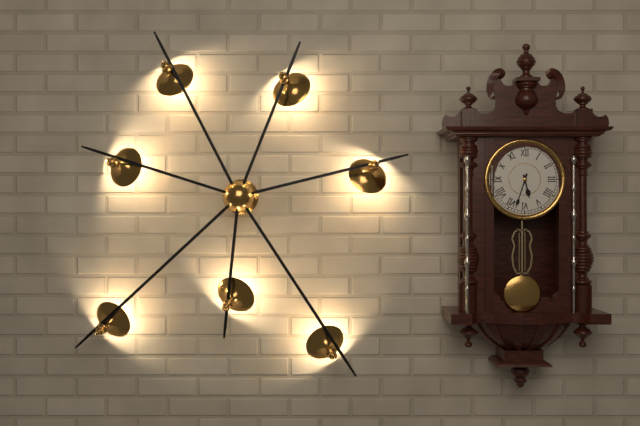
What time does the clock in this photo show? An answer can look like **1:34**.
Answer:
**5:33**
